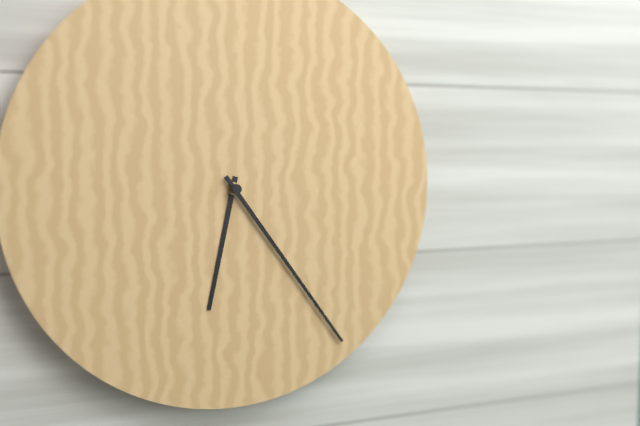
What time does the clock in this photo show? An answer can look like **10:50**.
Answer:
**6:24**
